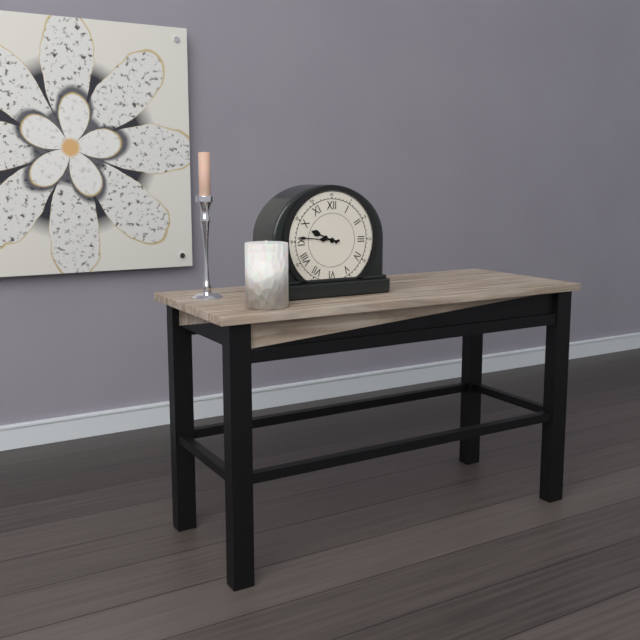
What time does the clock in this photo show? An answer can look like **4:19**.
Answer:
**9:46**
